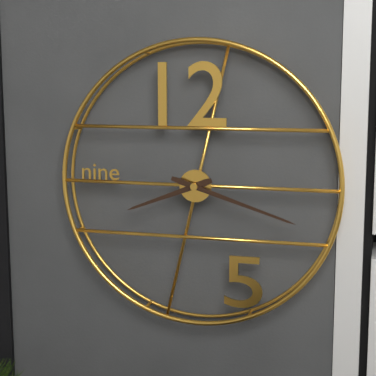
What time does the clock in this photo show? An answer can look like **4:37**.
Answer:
**8:18**
